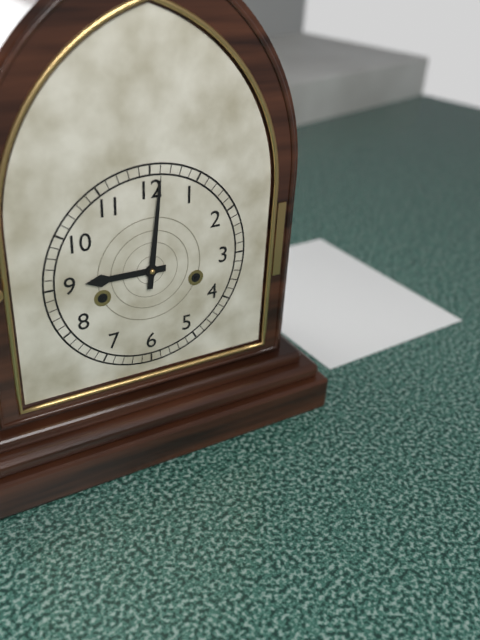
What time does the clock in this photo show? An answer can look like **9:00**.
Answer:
**9:01**
